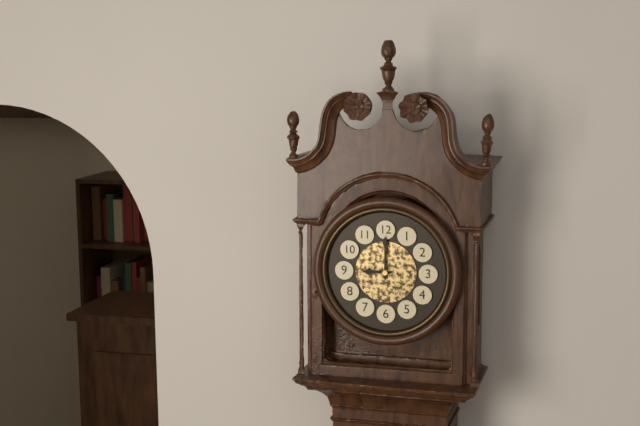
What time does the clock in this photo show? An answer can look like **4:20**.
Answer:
**9:00**
